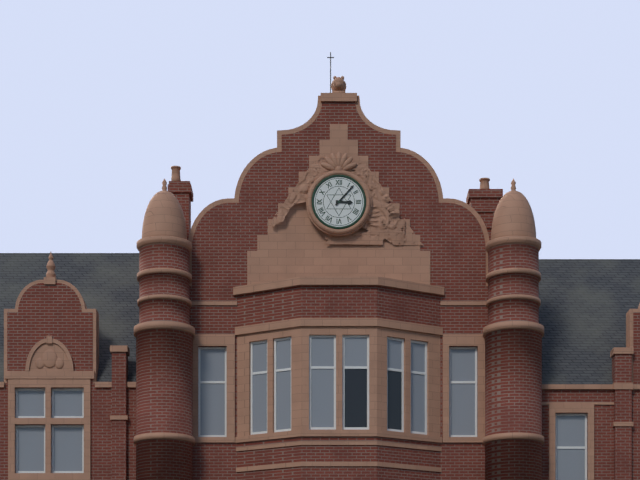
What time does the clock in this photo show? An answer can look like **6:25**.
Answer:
**3:07**
